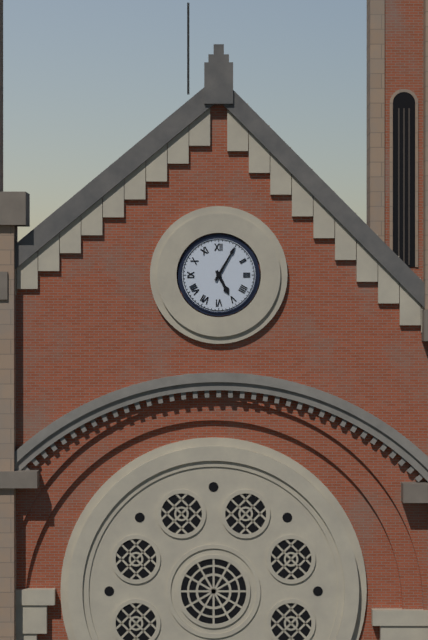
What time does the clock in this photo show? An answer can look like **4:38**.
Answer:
**5:05**
